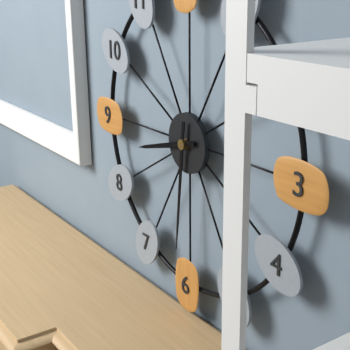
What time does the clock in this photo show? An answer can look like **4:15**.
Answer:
**8:31**
